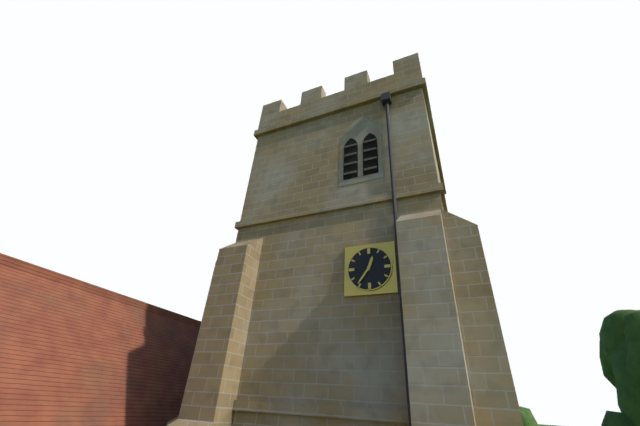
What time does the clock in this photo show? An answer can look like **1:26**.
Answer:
**12:36**
